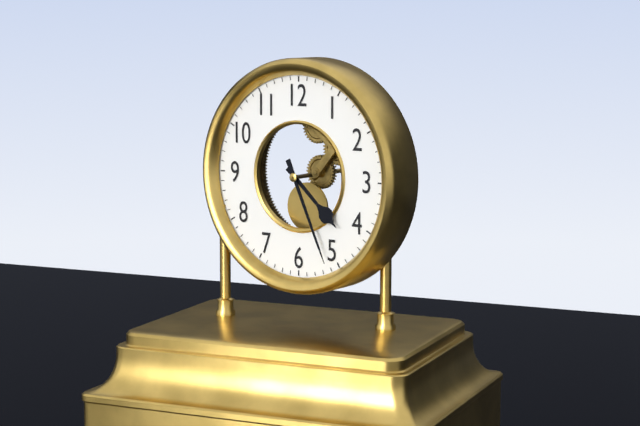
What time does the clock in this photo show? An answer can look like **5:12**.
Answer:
**4:26**
